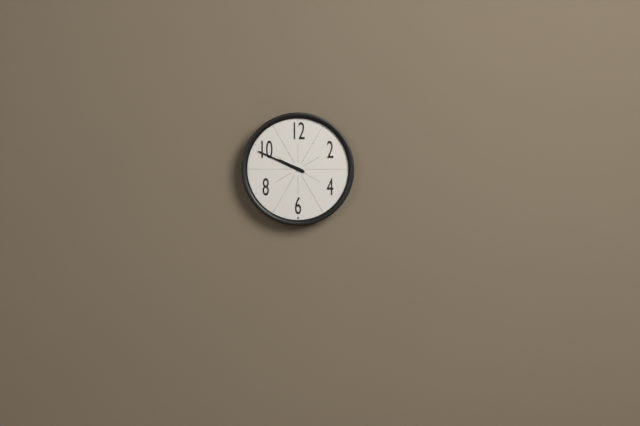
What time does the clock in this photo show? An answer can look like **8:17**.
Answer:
**9:49**
